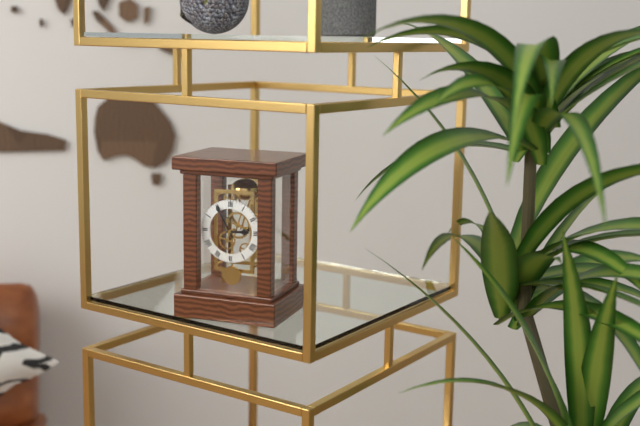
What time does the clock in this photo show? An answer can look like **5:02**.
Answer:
**2:55**
